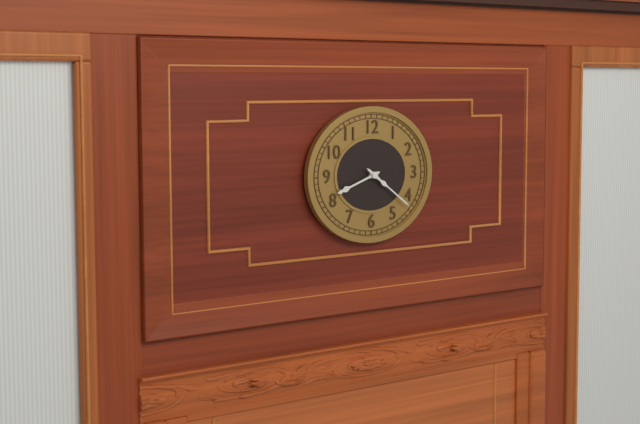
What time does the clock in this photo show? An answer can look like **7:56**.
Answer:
**8:21**
